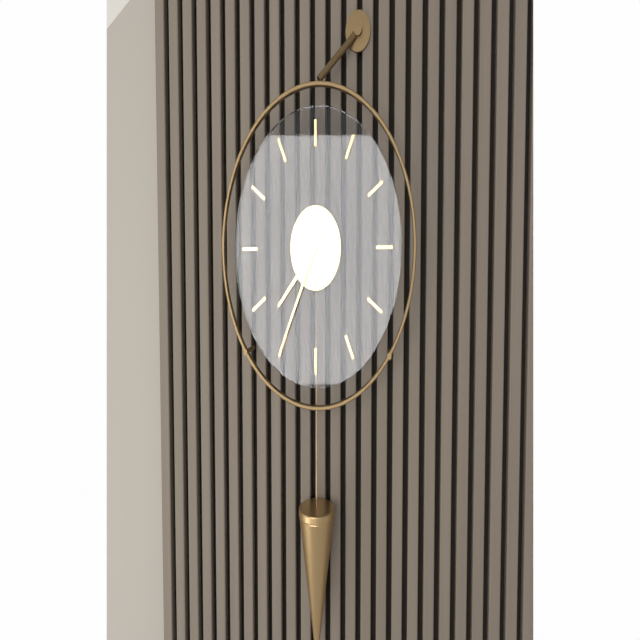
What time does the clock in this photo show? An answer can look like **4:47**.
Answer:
**7:35**
